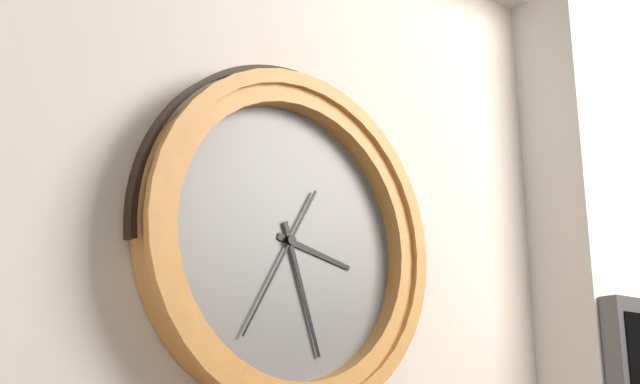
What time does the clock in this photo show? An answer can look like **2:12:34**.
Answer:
**3:27:35**
